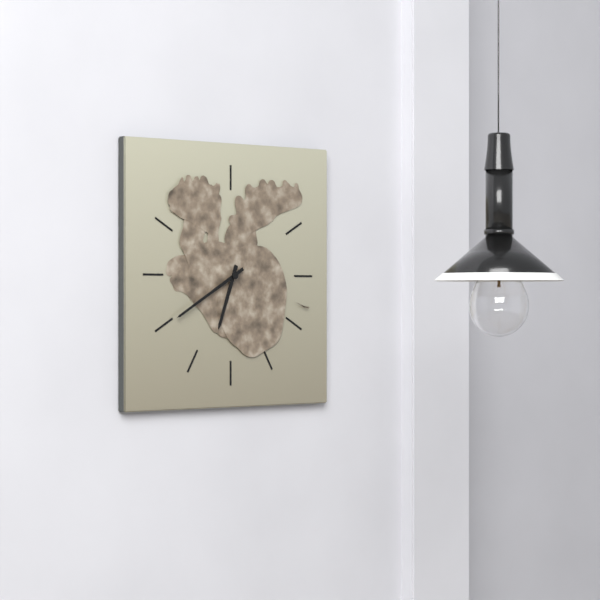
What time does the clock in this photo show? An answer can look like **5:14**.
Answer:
**6:40**
